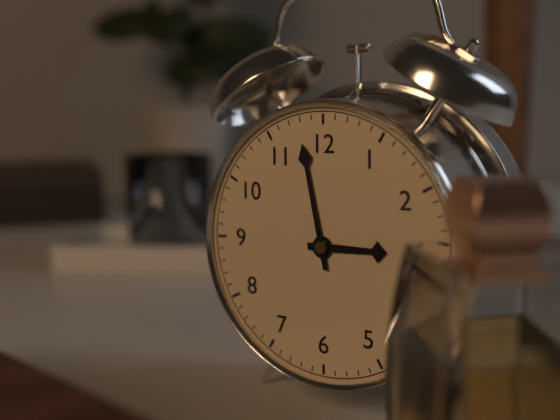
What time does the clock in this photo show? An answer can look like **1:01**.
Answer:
**2:58**
